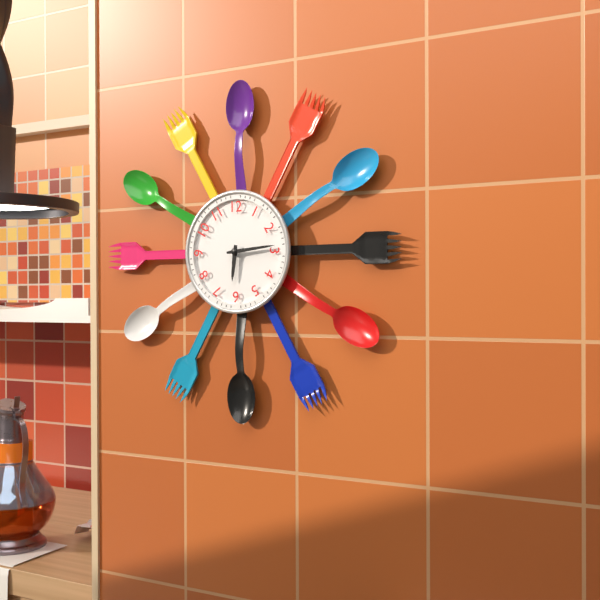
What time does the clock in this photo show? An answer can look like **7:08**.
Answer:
**6:14**
